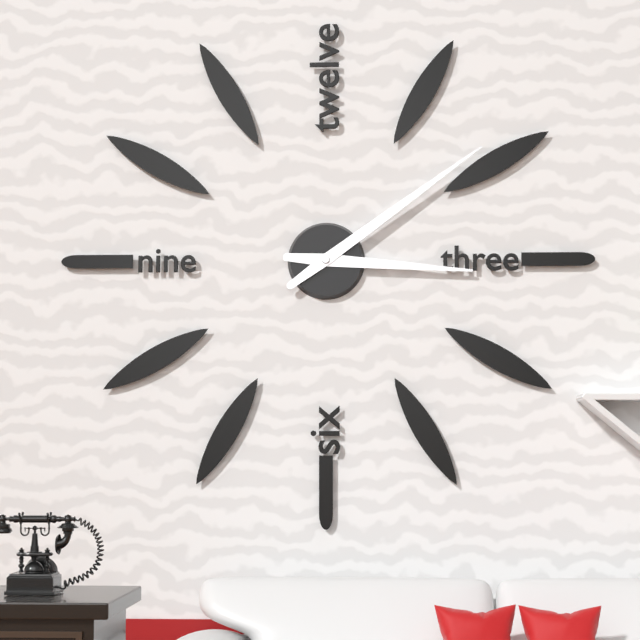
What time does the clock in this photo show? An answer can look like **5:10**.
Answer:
**3:09**
